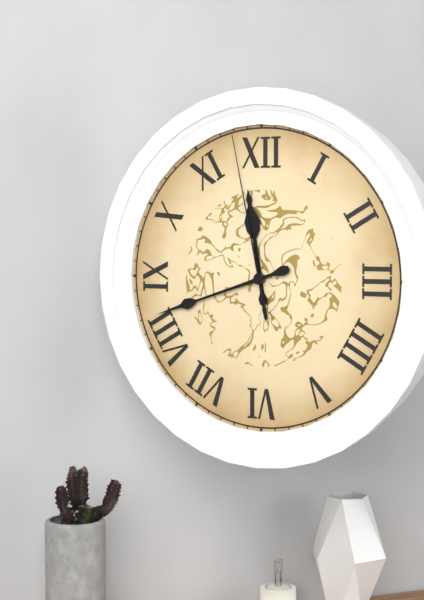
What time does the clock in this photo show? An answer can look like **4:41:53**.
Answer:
**11:42:58**
